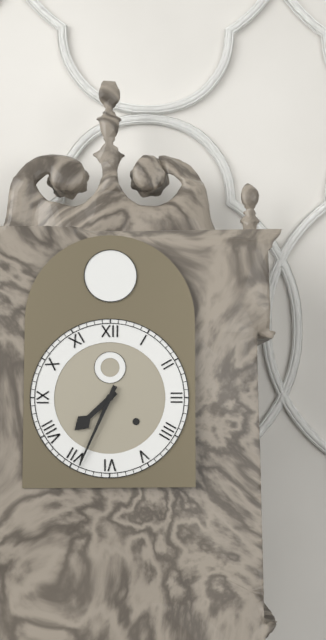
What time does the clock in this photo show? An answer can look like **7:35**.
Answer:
**7:34**
